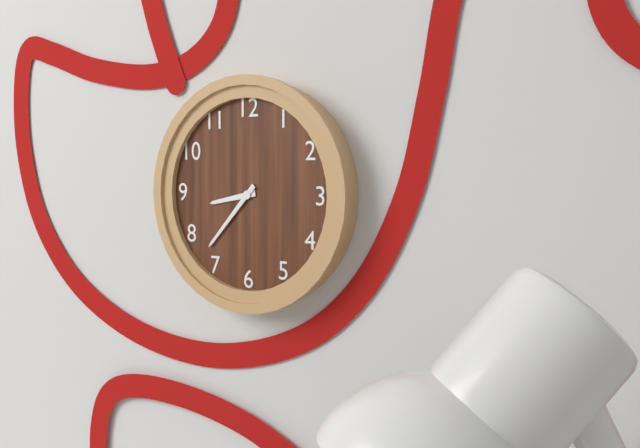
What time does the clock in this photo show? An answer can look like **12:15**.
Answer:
**8:37**
